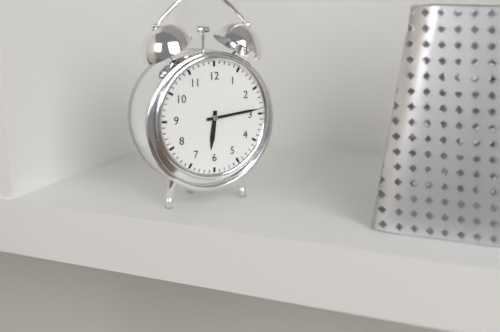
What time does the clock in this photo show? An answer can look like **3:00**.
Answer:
**6:14**
